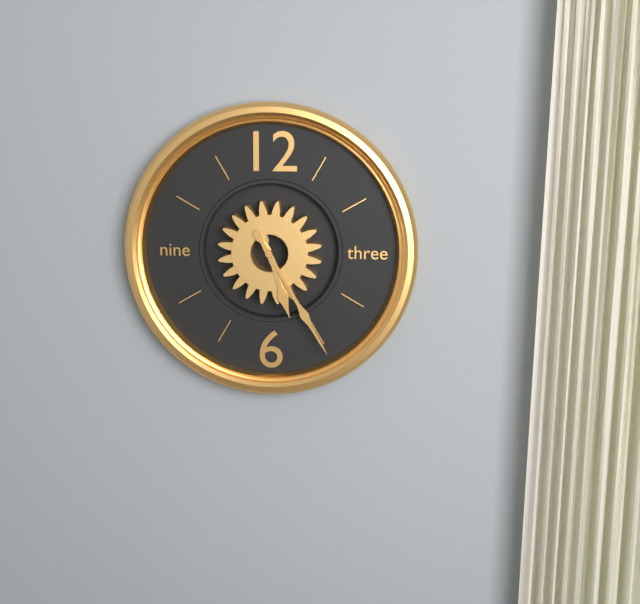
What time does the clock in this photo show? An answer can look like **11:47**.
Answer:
**5:25**
